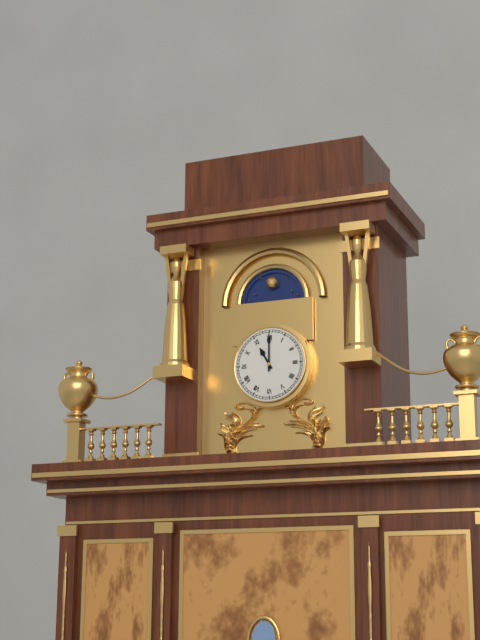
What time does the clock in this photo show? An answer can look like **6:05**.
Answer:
**11:00**
